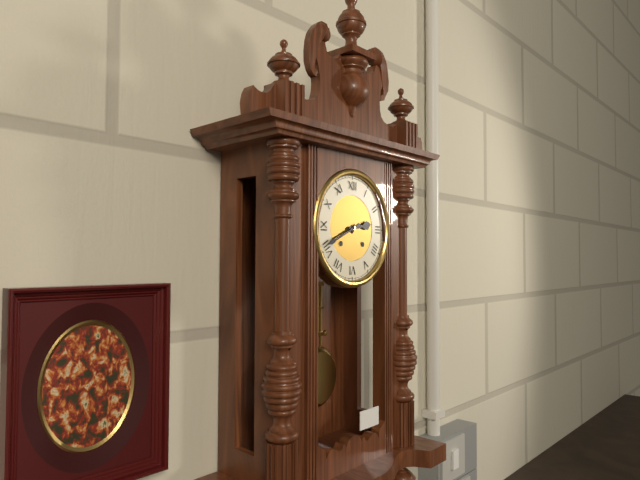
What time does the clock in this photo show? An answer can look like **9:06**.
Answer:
**2:41**
